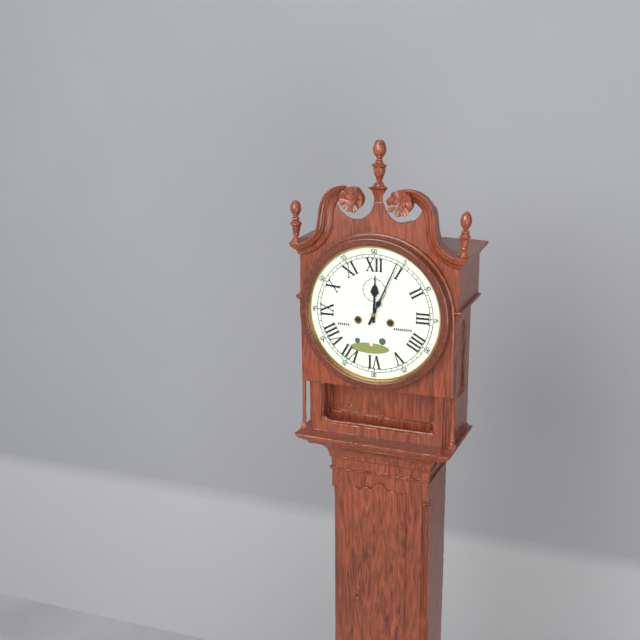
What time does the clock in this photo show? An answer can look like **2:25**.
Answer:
**12:04**
